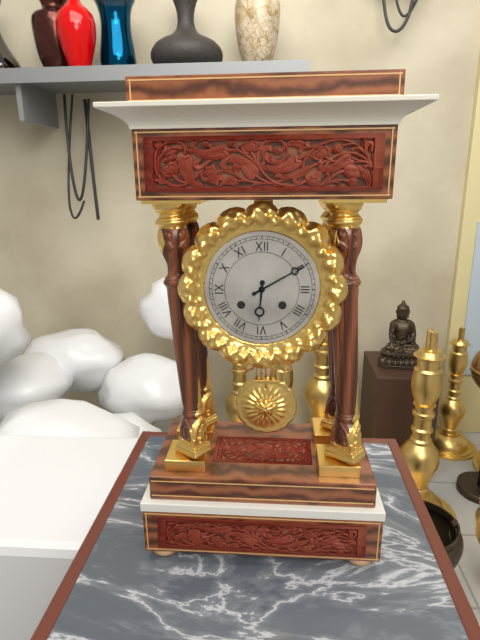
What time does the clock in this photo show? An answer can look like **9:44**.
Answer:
**6:10**
